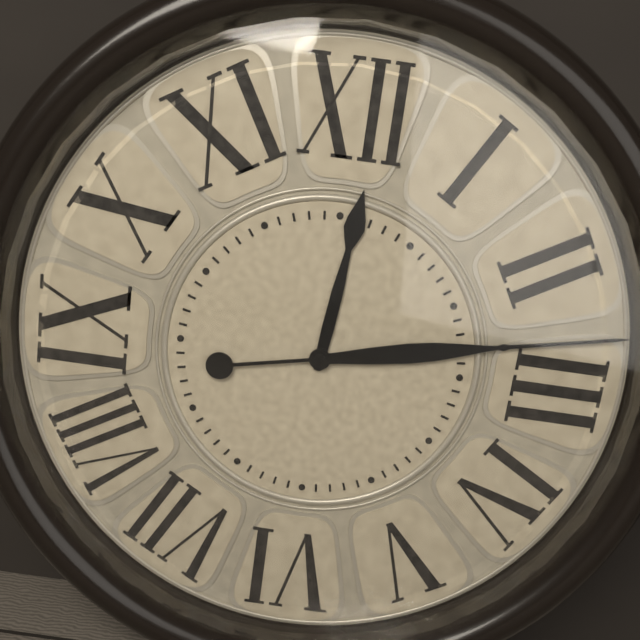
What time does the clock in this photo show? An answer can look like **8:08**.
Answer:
**12:13**
